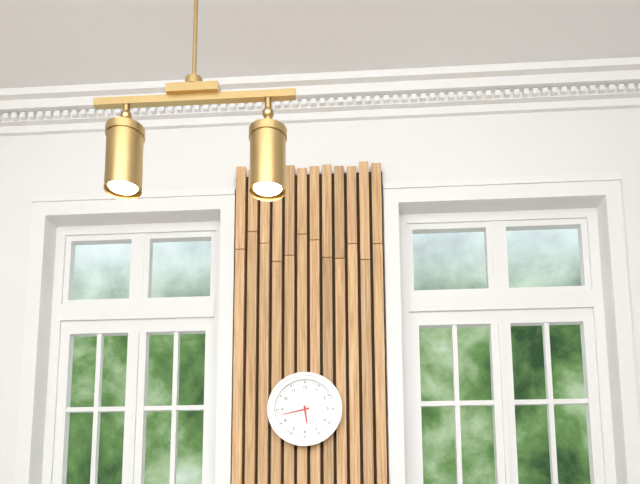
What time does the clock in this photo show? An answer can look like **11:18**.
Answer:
**5:43**
